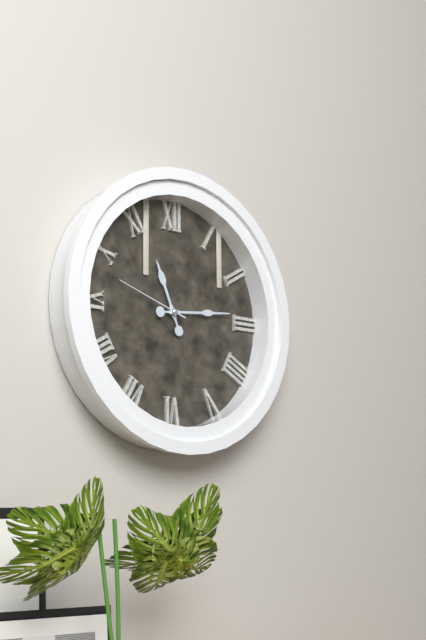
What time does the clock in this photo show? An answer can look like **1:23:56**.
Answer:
**11:14:48**
